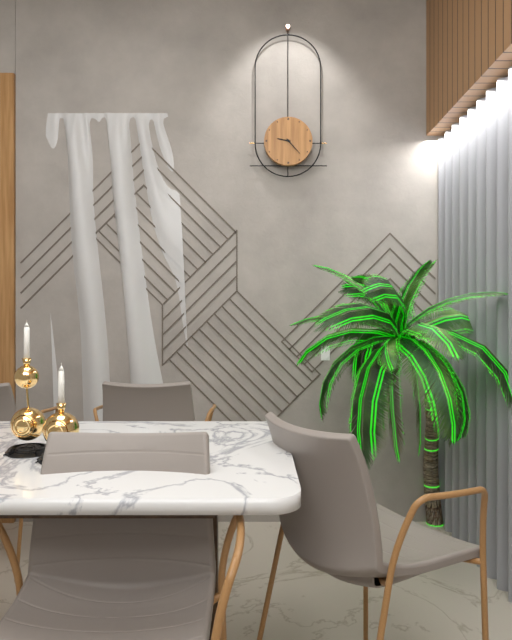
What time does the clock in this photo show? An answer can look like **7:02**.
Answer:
**9:23**
